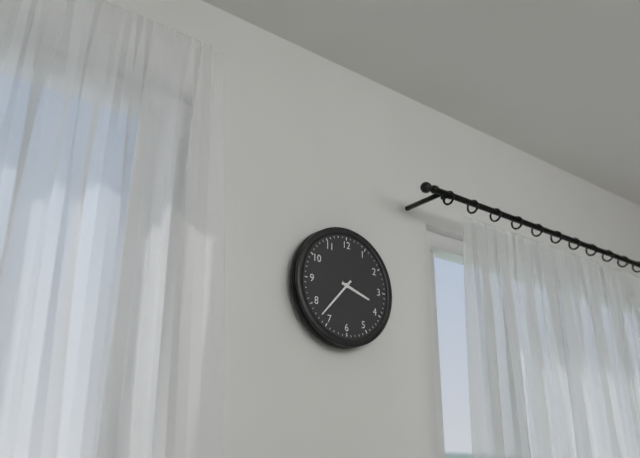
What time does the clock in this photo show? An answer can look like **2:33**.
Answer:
**3:37**
